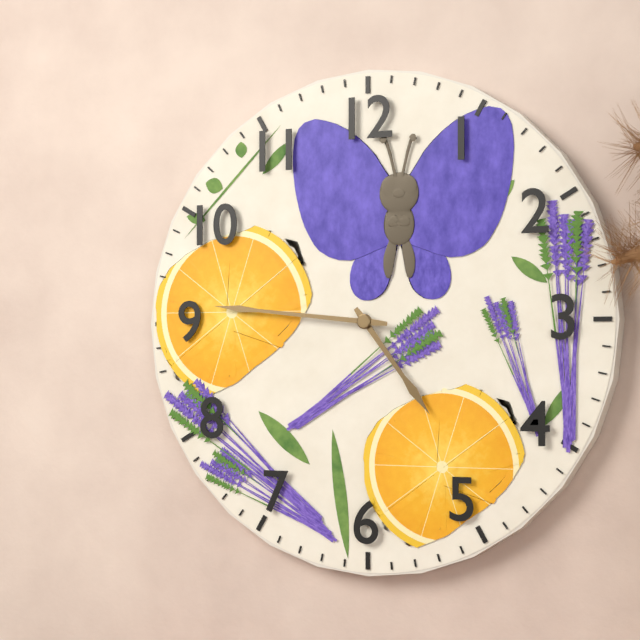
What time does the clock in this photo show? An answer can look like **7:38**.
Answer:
**4:46**
